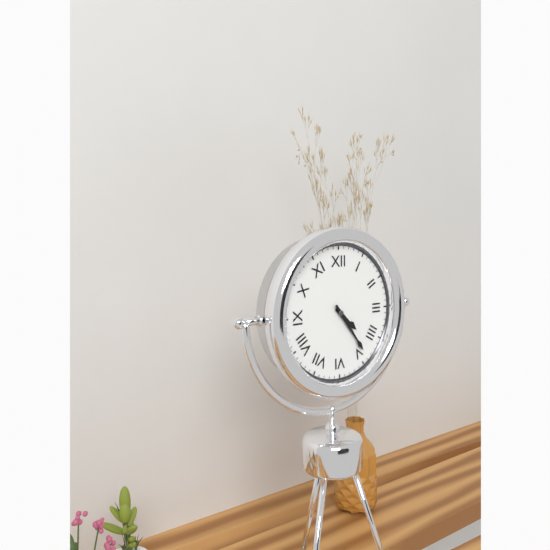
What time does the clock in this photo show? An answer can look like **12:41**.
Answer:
**4:24**
